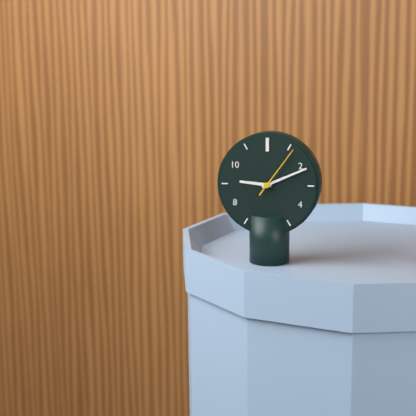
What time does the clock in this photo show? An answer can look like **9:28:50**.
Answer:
**9:11:06**
